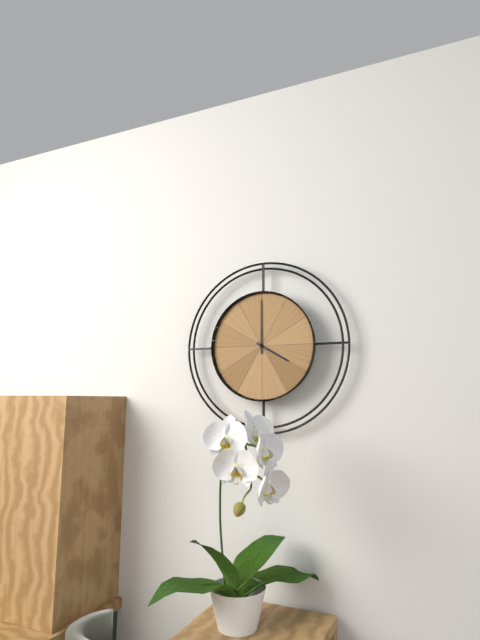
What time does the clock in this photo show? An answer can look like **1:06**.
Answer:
**4:00**
